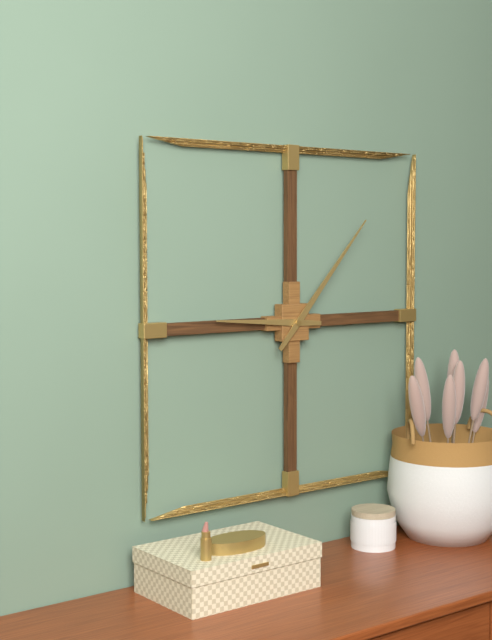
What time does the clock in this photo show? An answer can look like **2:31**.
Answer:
**9:07**
